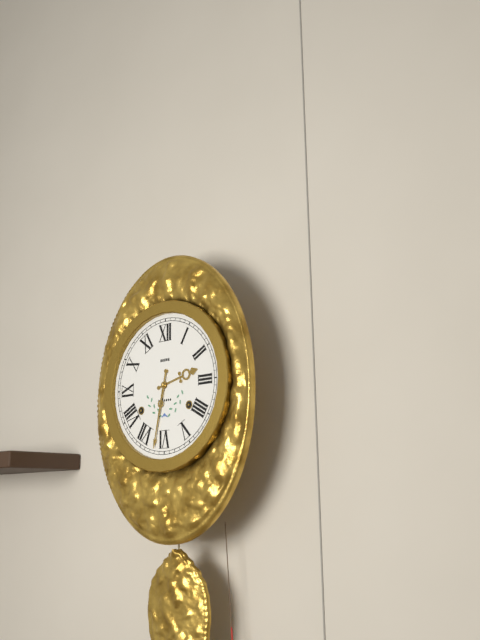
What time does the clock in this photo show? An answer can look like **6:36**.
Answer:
**2:32**
